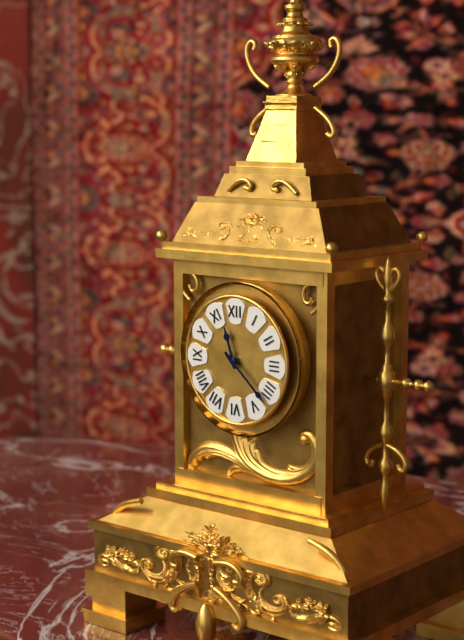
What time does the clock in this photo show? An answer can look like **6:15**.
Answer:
**11:22**
